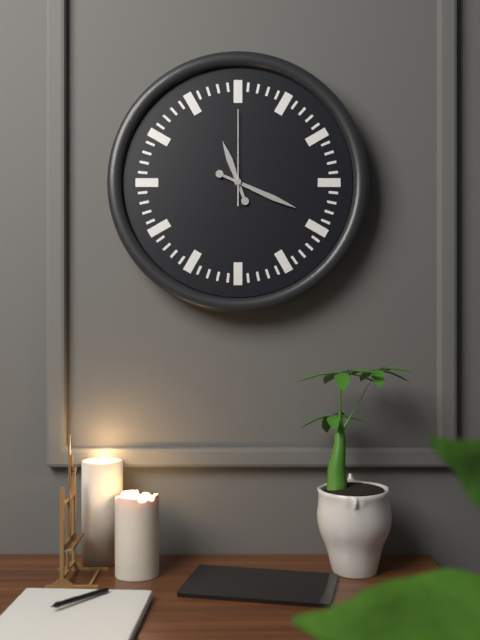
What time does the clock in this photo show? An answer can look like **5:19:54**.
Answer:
**11:19:00**
